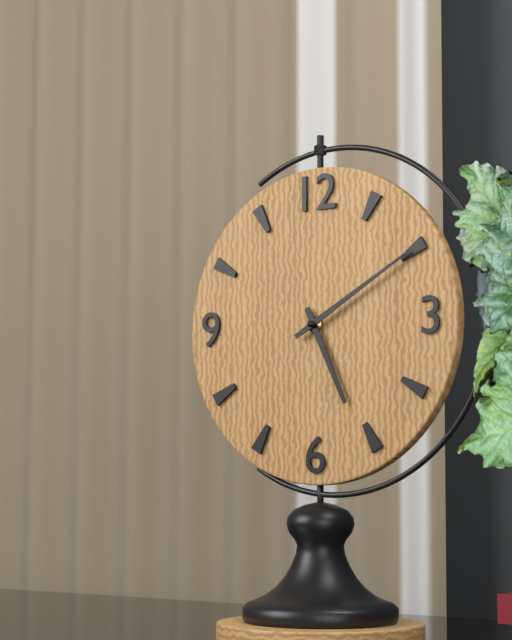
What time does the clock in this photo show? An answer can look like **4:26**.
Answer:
**5:10**
